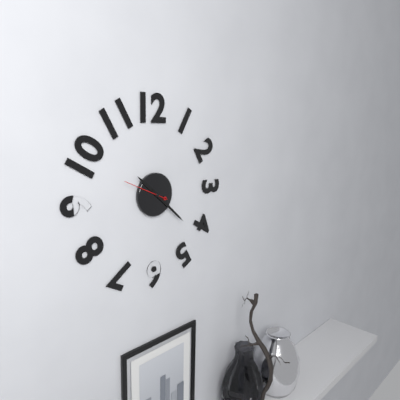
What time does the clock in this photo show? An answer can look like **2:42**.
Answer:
**10:22**
